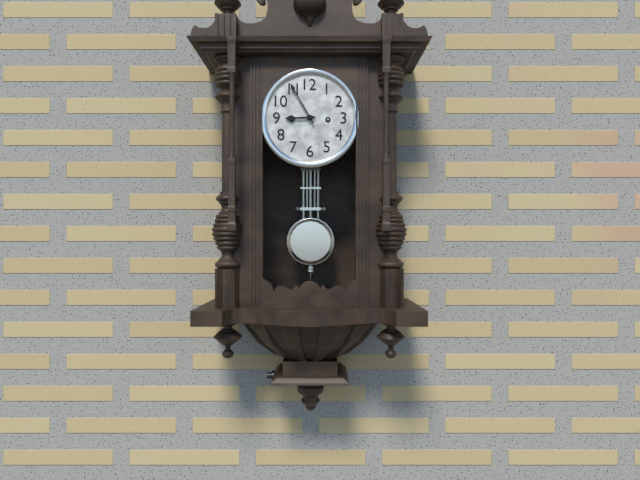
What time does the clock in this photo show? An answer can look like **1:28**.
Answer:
**8:55**
